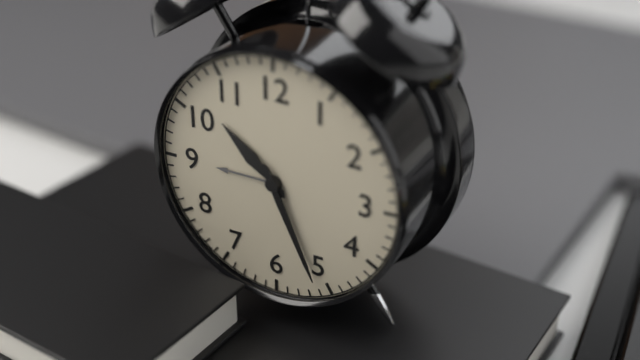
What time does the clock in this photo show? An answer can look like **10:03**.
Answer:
**10:26**
